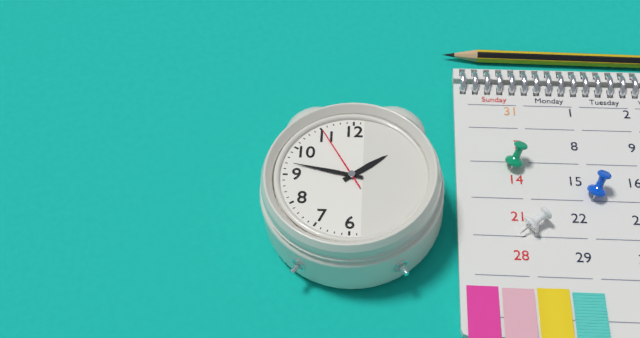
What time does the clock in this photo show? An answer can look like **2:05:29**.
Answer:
**1:47:55**
